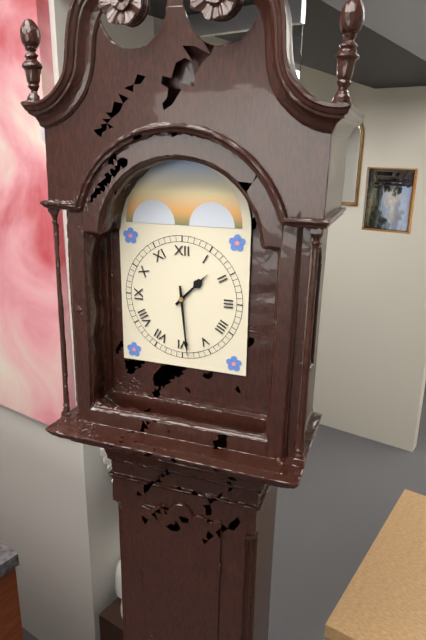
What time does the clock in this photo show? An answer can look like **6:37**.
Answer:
**1:29**
